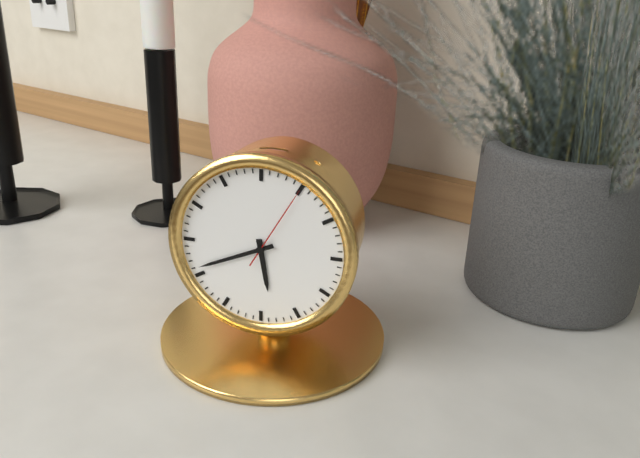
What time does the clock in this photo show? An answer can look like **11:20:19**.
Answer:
**5:41:05**
